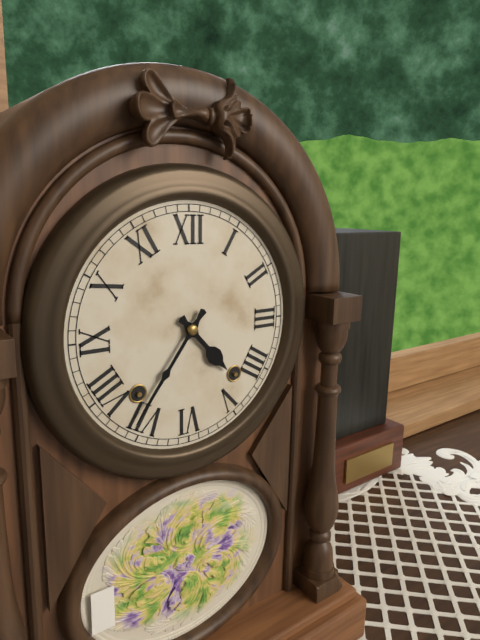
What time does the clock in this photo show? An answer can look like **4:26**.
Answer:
**4:36**
